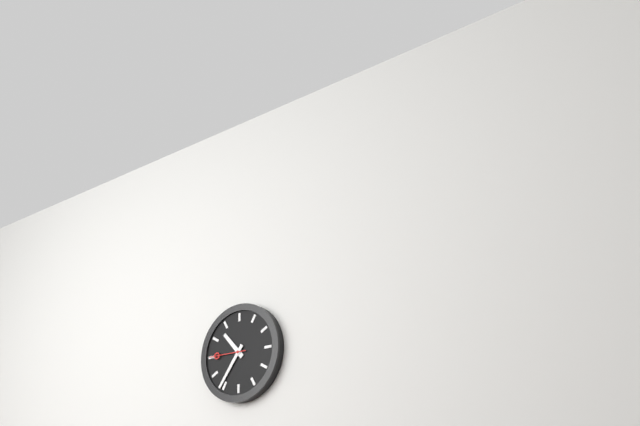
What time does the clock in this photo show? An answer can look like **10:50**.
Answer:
**10:36**
